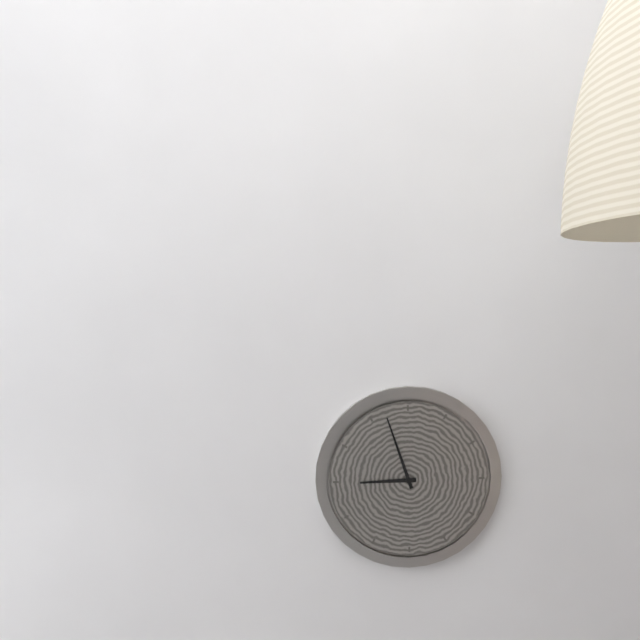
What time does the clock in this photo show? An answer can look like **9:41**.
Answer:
**8:57**
